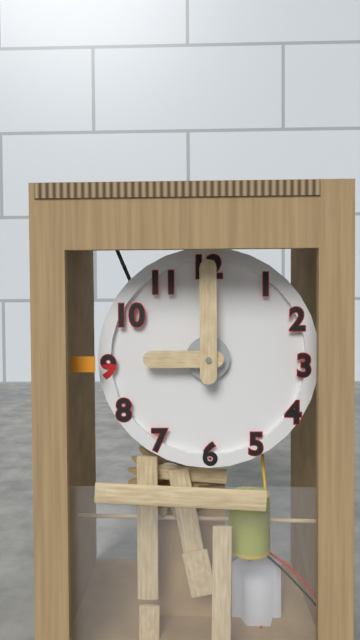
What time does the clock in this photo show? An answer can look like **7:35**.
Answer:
**9:00**
